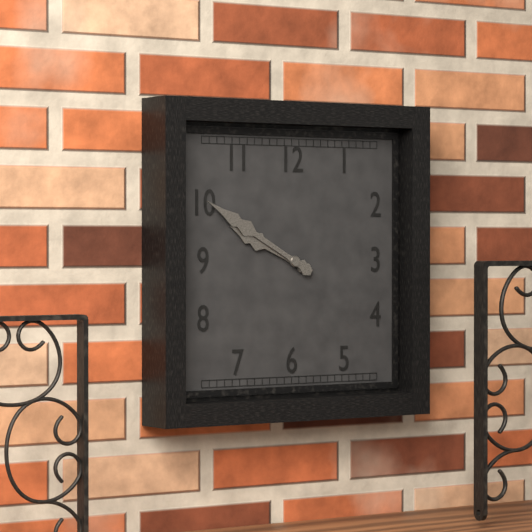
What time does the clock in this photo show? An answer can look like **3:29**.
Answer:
**9:50**
